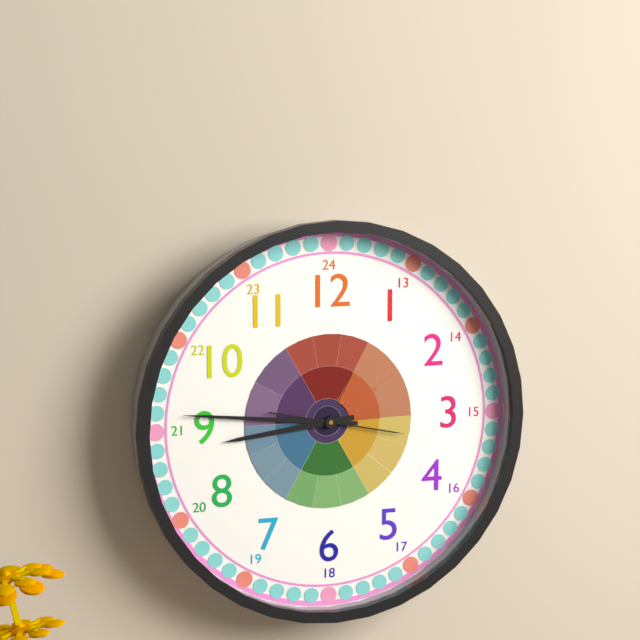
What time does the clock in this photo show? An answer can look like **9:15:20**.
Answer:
**8:46:17**
